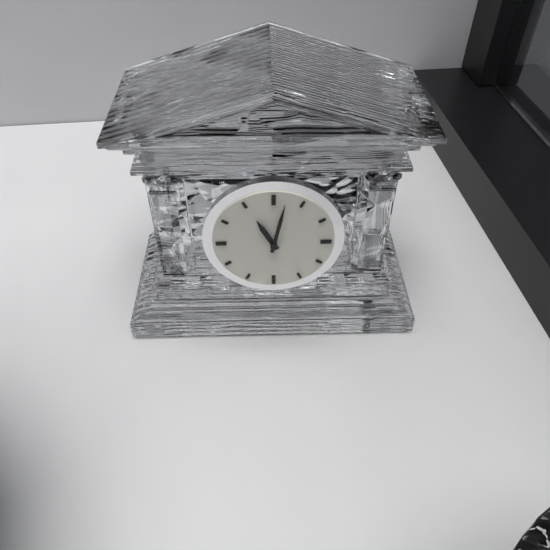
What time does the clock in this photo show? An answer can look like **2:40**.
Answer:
**11:02**
